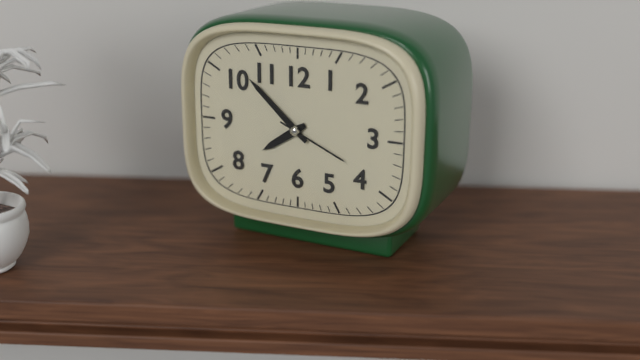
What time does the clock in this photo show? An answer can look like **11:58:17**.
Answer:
**7:52:19**
